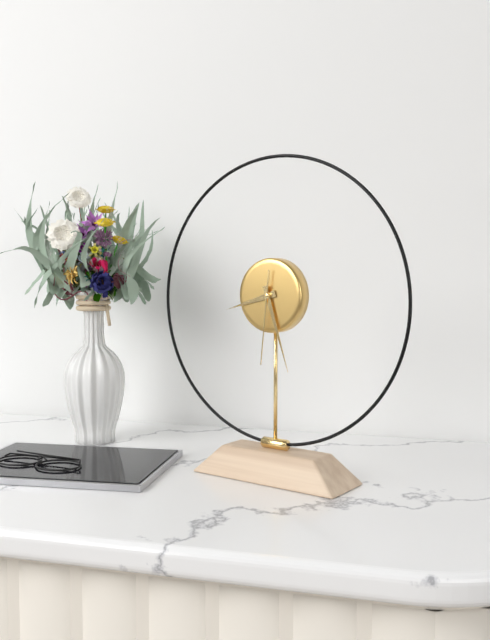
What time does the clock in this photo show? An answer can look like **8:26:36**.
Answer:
**8:27:31**
